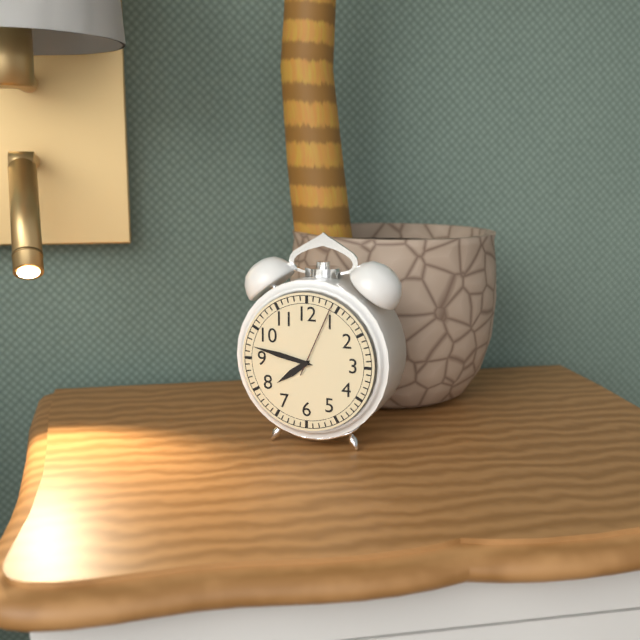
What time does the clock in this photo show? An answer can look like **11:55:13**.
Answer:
**7:47:04**
